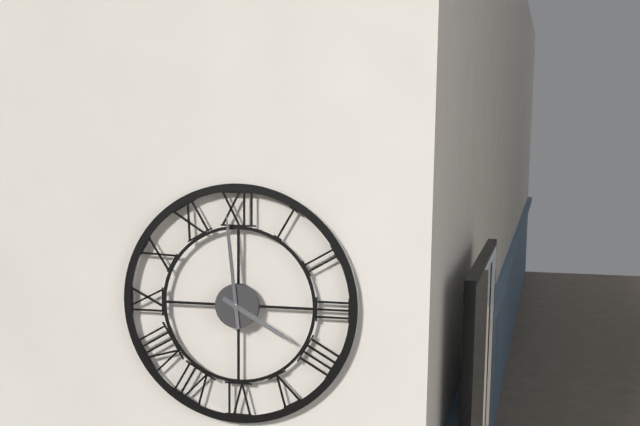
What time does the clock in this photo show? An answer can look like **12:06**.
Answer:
**3:59**
